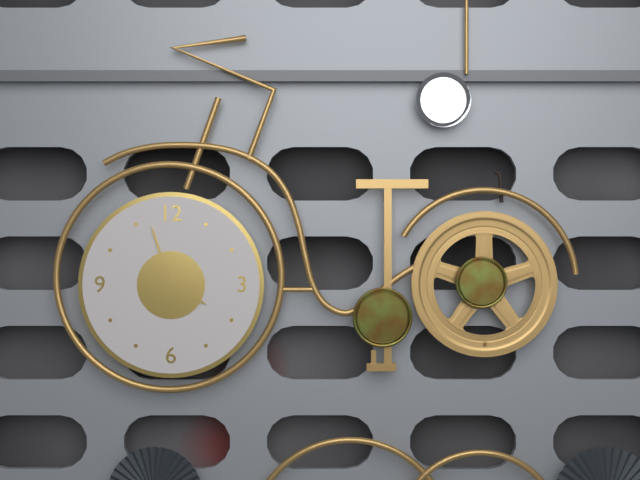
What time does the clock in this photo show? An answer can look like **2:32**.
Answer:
**3:57**
